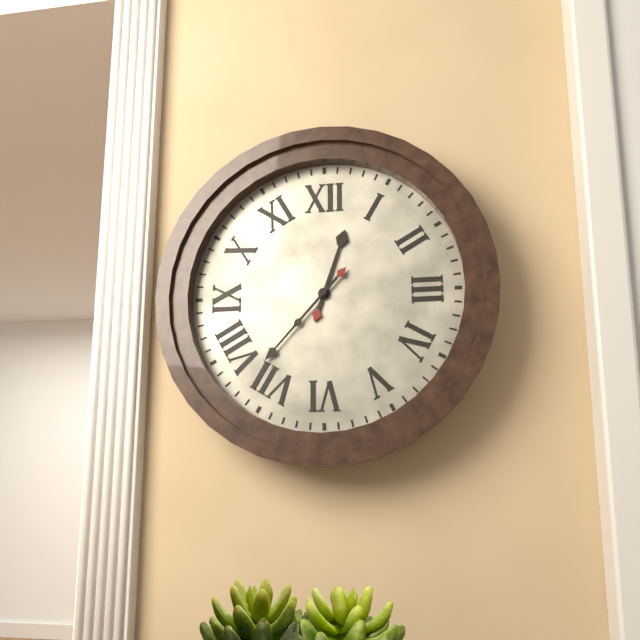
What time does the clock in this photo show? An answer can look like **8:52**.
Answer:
**12:37**
